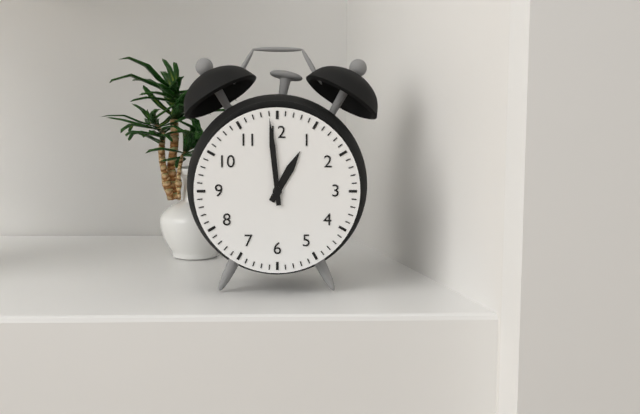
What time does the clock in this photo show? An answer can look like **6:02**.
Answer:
**12:59**
